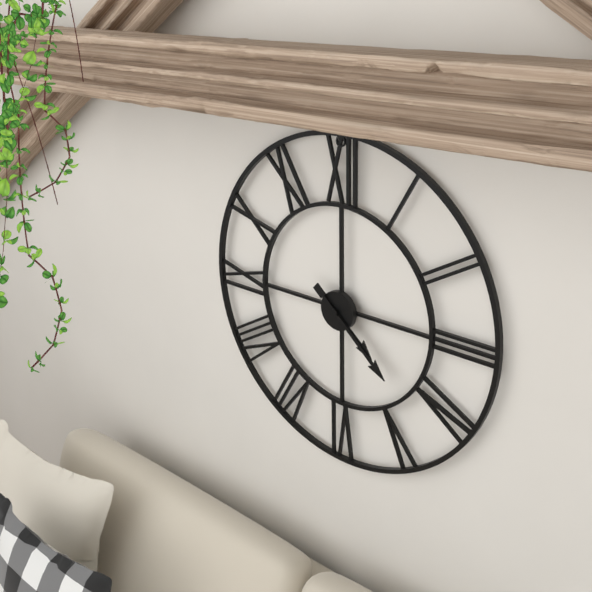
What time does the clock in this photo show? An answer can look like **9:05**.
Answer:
**4:22**
